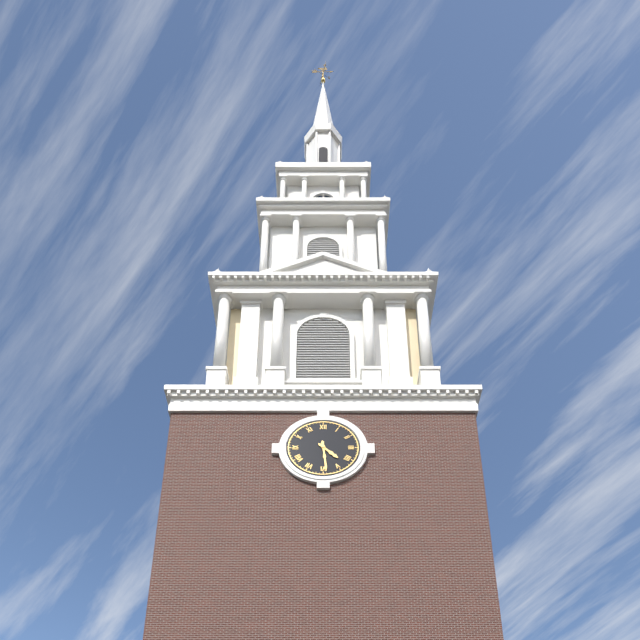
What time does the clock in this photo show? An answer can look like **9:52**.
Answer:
**4:29**
